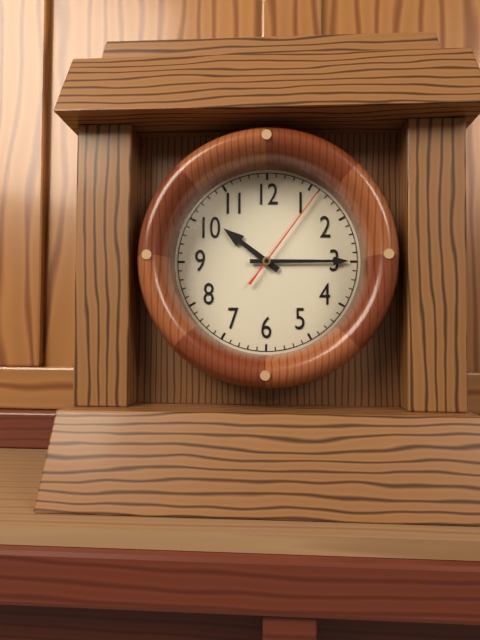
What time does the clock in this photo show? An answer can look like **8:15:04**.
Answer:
**10:15:06**
